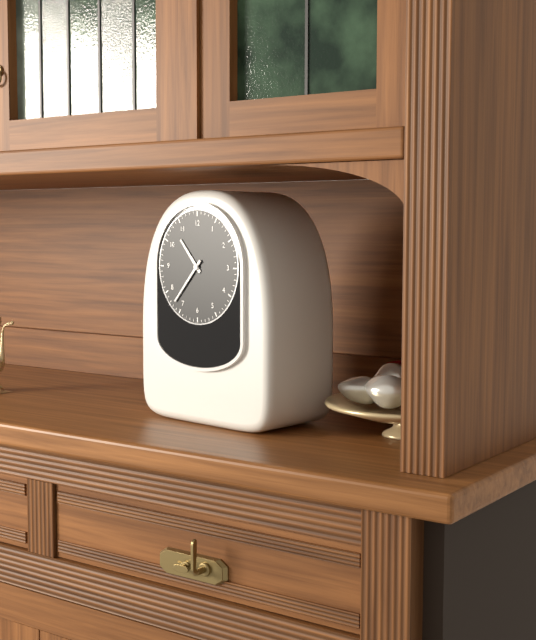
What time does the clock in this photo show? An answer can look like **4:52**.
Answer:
**10:37**
